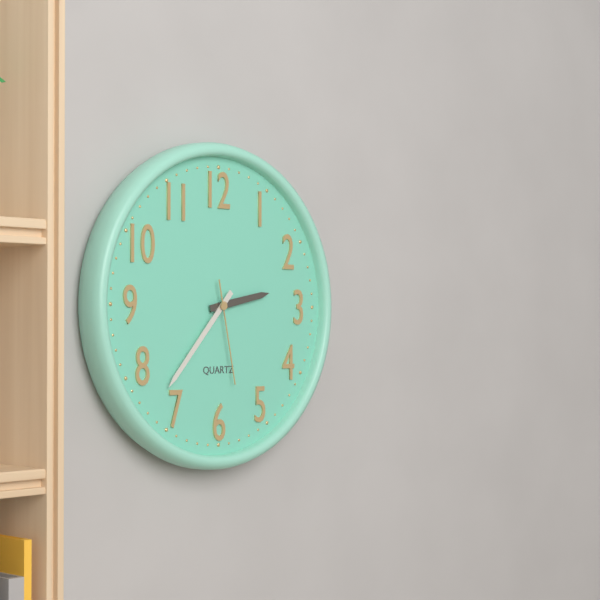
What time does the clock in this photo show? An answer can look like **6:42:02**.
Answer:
**2:37:28**
